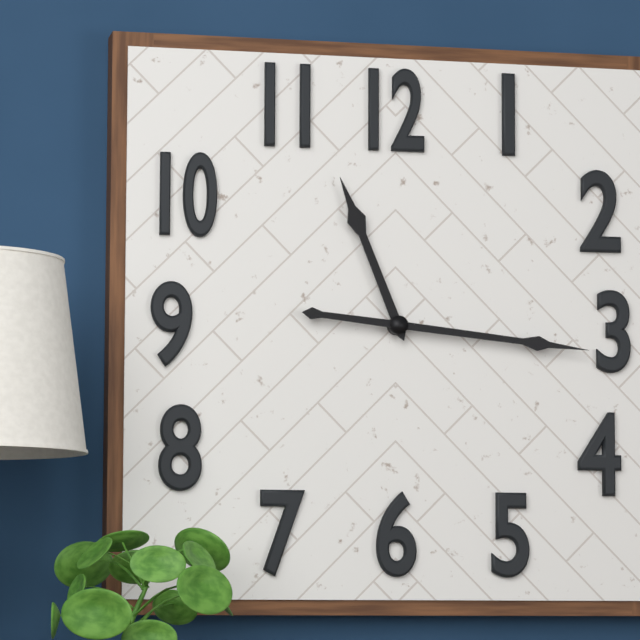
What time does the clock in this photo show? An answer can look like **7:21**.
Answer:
**11:16**
